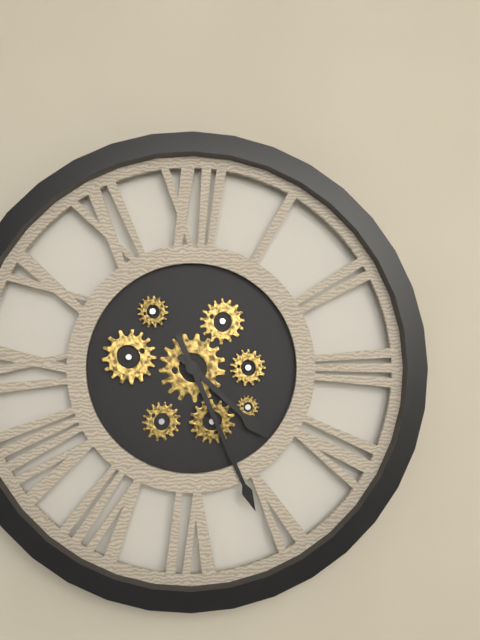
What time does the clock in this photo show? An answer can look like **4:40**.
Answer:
**4:26**
